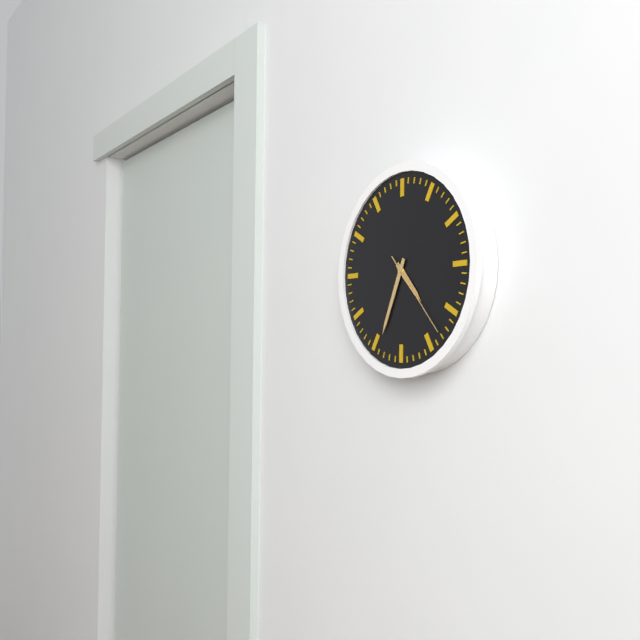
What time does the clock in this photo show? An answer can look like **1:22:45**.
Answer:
**4:34:23**
